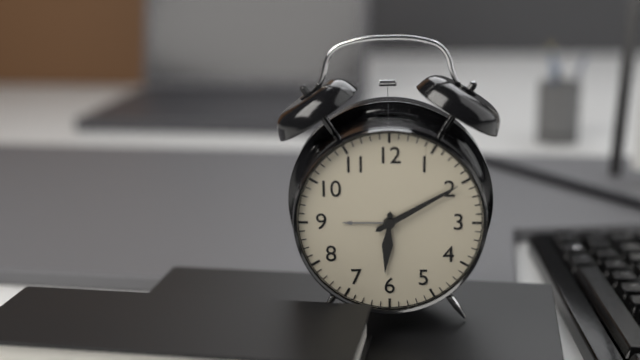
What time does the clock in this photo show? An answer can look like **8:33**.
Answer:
**6:10**
